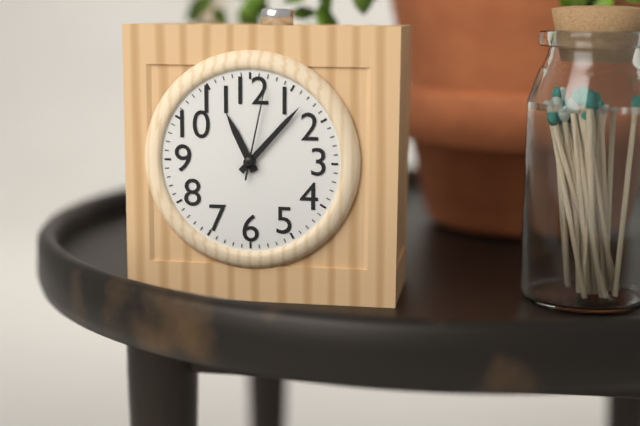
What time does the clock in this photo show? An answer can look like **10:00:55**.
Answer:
**11:07:02**
